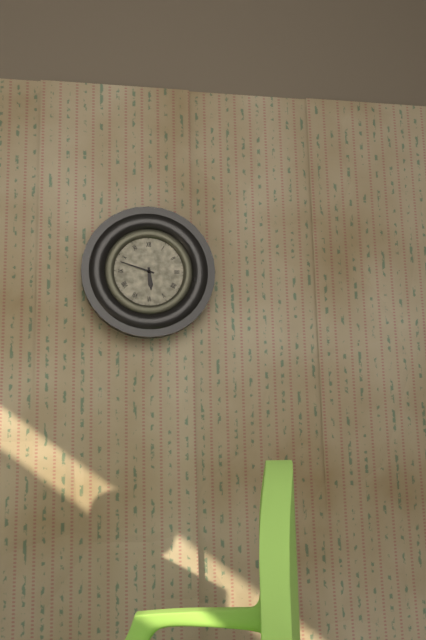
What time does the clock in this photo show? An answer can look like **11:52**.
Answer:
**5:48**
